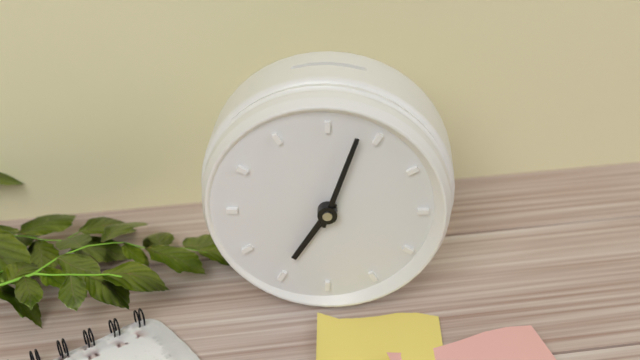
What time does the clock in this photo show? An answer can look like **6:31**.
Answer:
**7:03**
